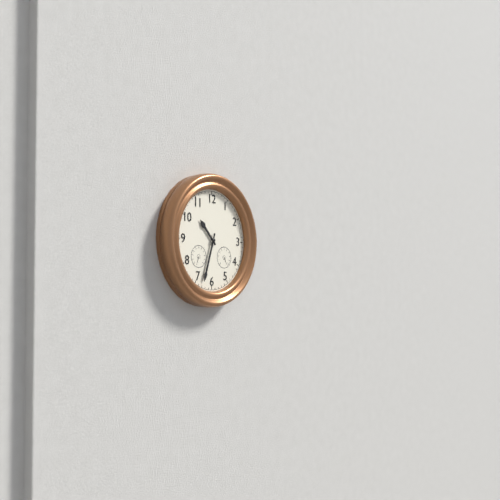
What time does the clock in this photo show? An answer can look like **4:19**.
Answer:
**10:33**
